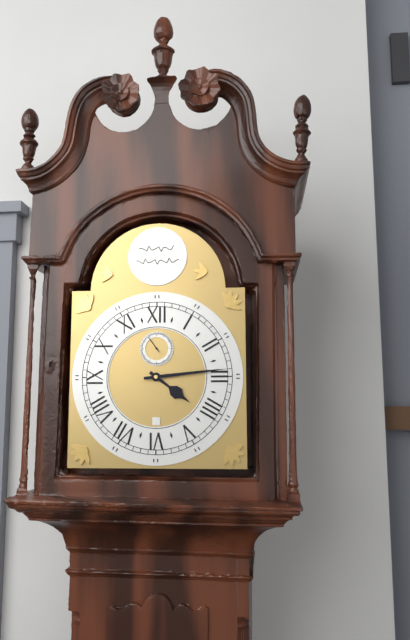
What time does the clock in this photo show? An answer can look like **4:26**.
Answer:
**4:14**
